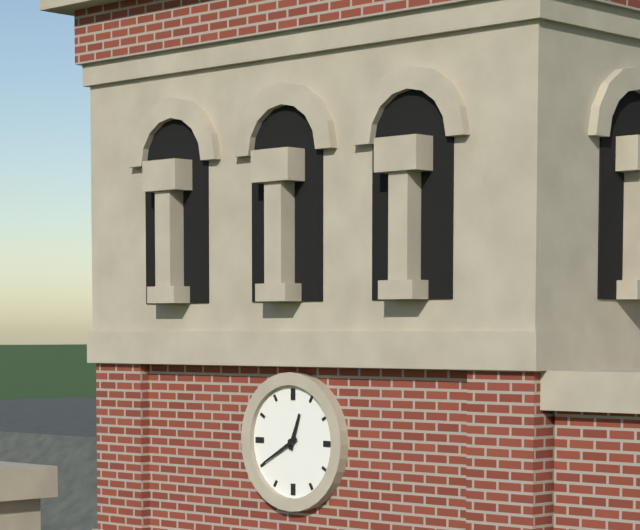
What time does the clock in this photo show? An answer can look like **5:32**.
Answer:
**12:40**
